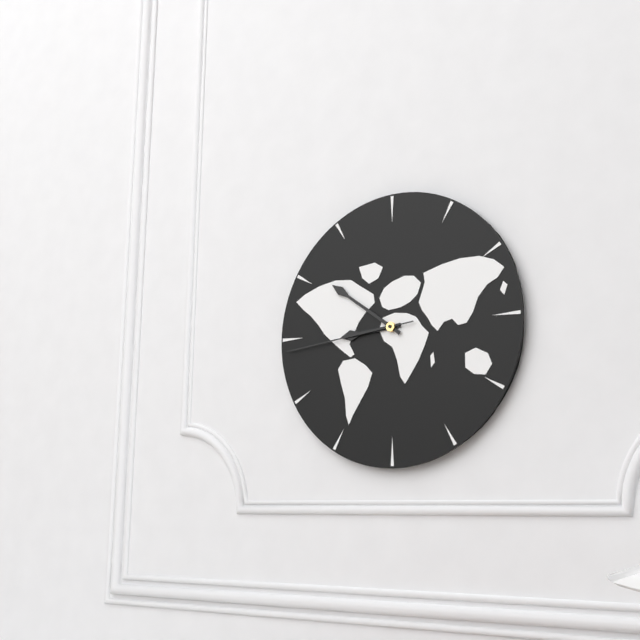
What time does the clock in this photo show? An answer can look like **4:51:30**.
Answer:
**8:51:44**
